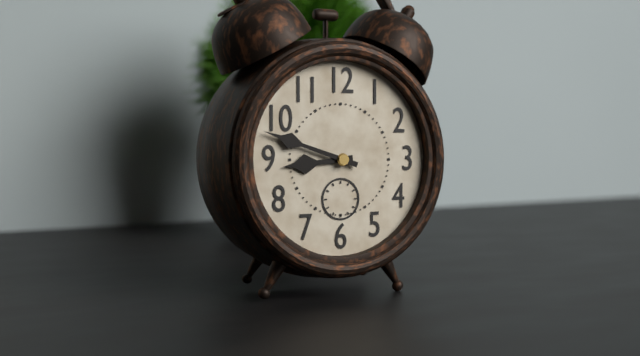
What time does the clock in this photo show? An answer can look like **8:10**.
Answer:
**8:48**
